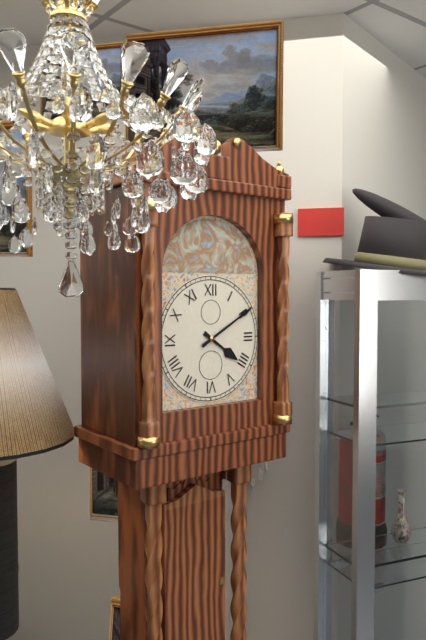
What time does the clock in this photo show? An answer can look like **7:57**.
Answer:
**4:10**
